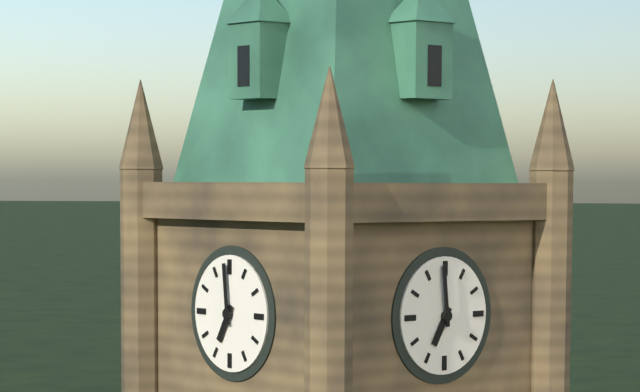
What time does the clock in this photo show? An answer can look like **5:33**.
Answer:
**6:59**
